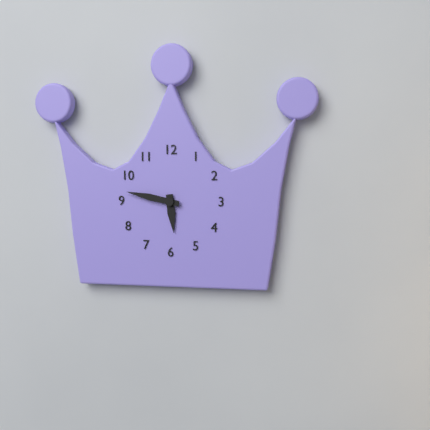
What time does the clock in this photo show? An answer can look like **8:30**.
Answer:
**5:47**
